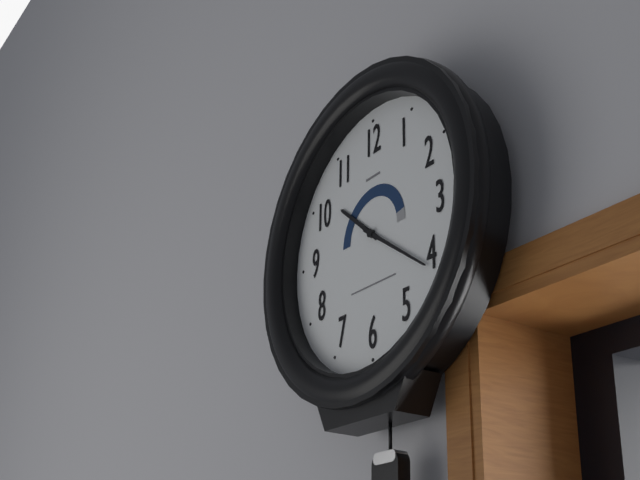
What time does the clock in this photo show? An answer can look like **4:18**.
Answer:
**10:21**
